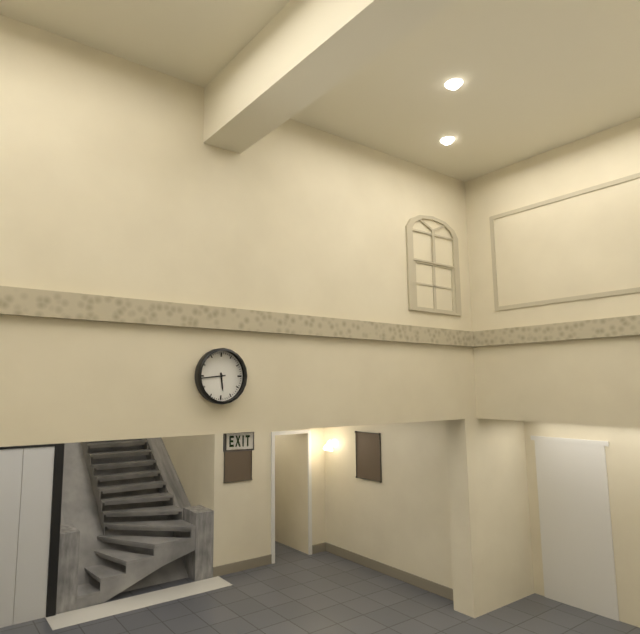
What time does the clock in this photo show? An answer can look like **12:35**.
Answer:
**5:44**
